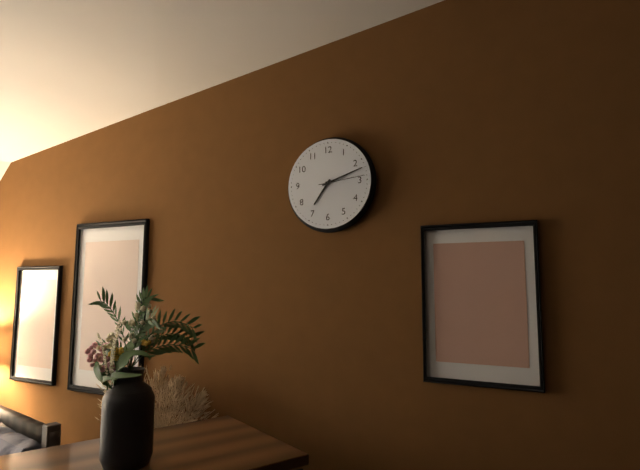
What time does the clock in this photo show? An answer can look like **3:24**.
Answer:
**7:12**
